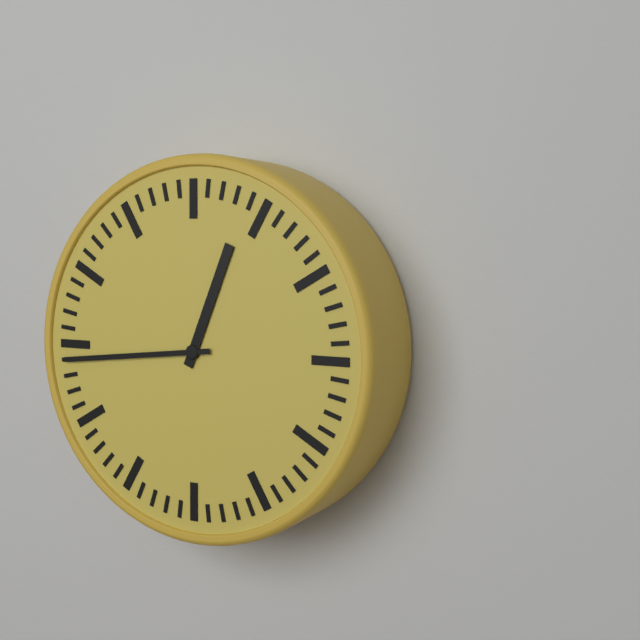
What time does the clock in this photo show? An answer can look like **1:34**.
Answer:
**12:44**
